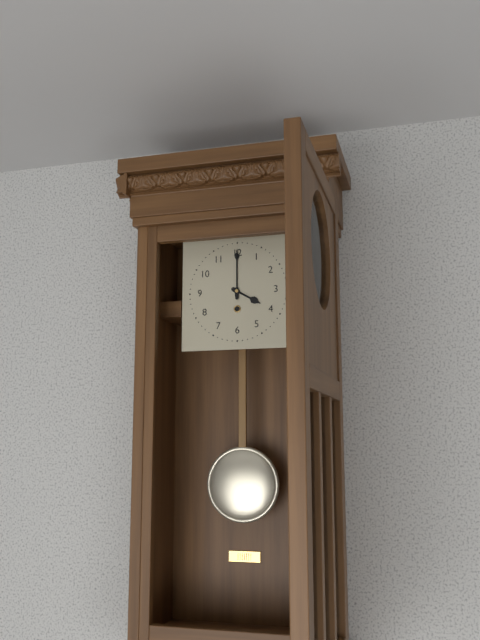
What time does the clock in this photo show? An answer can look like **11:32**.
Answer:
**4:00**
